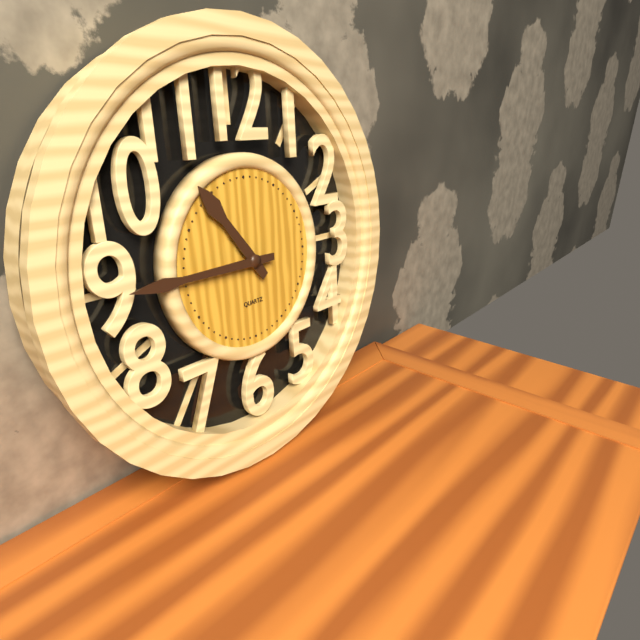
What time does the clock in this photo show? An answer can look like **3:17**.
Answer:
**10:45**
